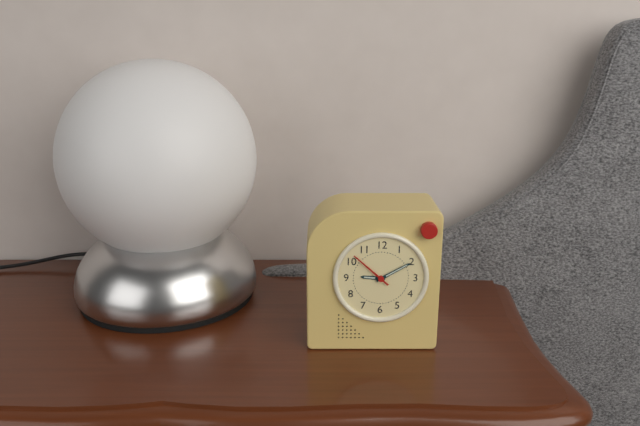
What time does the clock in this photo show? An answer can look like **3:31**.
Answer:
**9:10**
